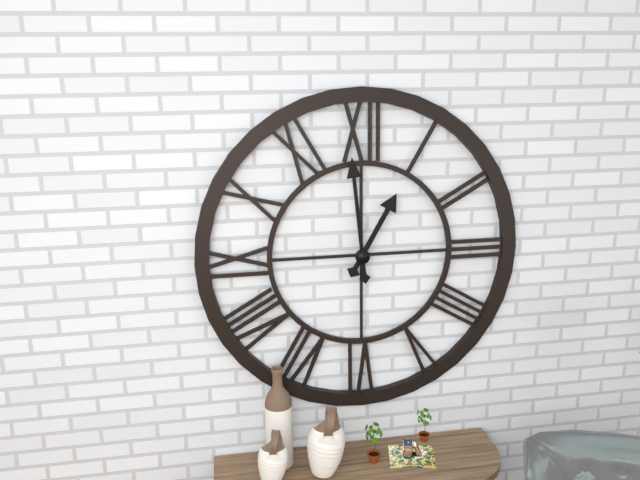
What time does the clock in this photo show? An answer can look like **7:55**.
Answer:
**12:59**
